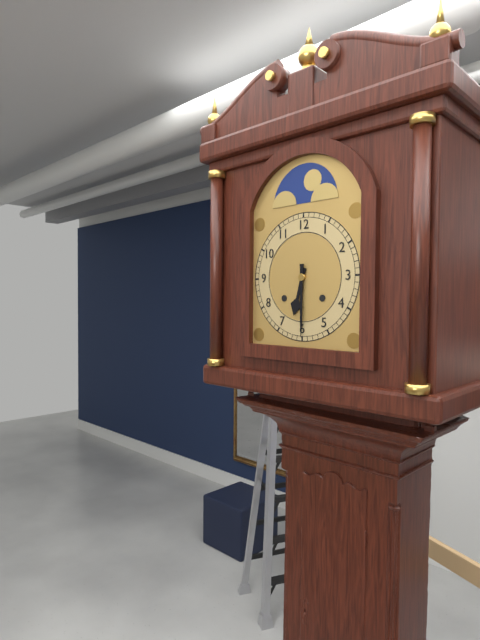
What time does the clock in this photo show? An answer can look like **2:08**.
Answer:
**6:30**
